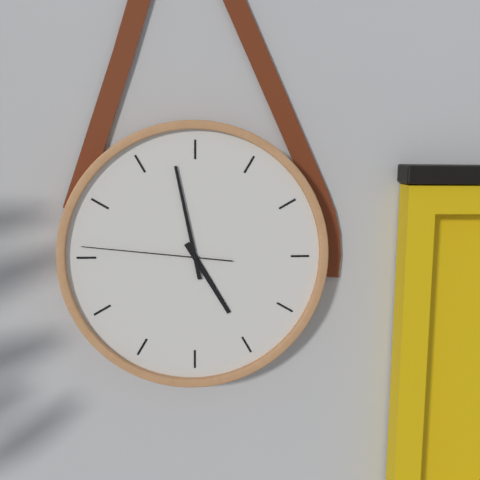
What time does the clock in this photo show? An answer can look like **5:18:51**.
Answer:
**4:58:46**
